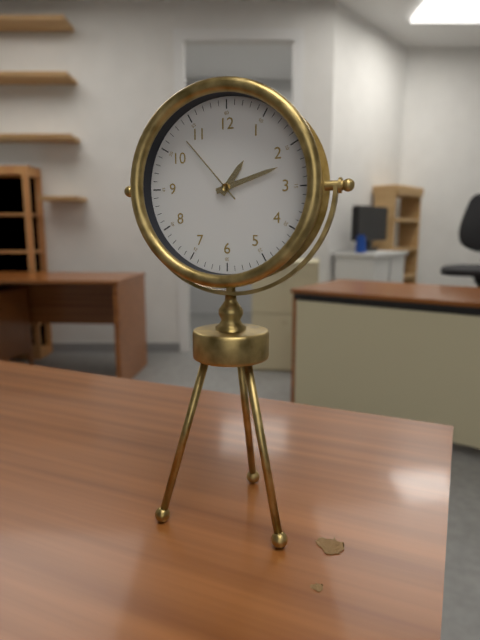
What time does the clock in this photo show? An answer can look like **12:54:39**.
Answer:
**1:12:53**
